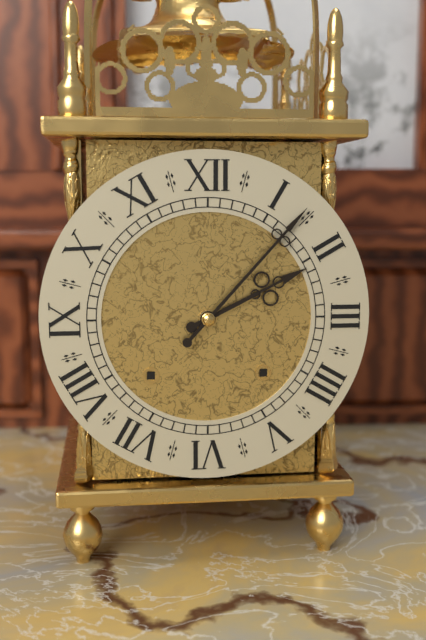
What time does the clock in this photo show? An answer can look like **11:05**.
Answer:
**2:07**
